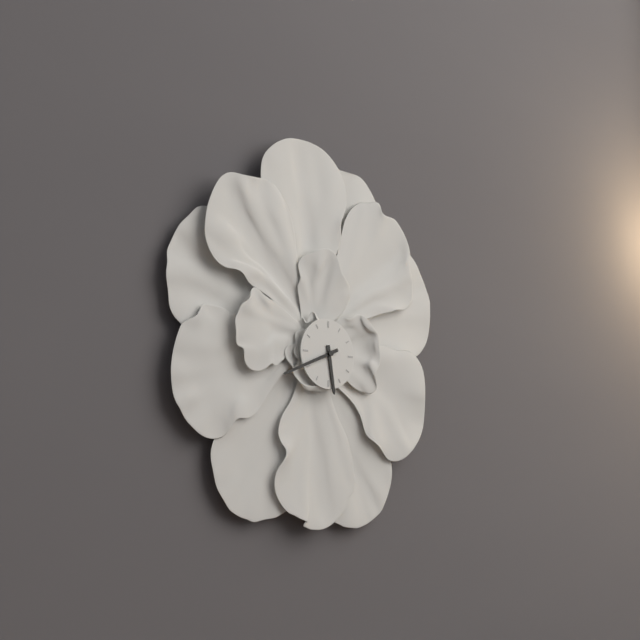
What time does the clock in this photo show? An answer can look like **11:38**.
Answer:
**5:41**
